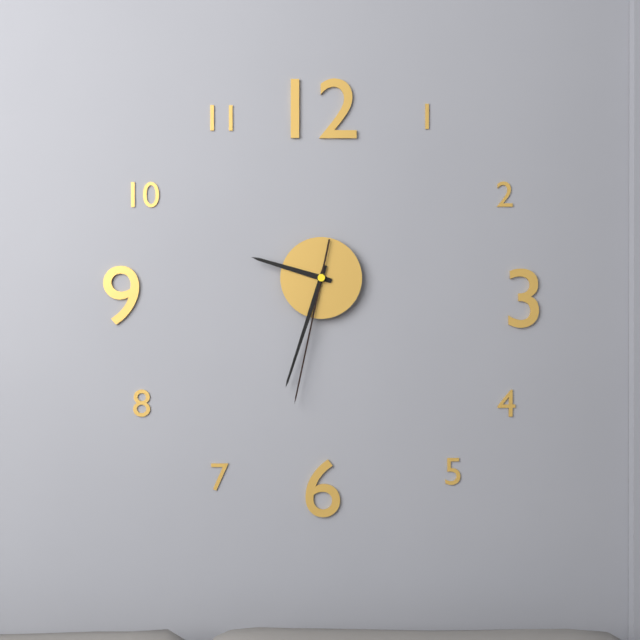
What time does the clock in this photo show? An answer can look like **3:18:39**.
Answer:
**9:33:32**
